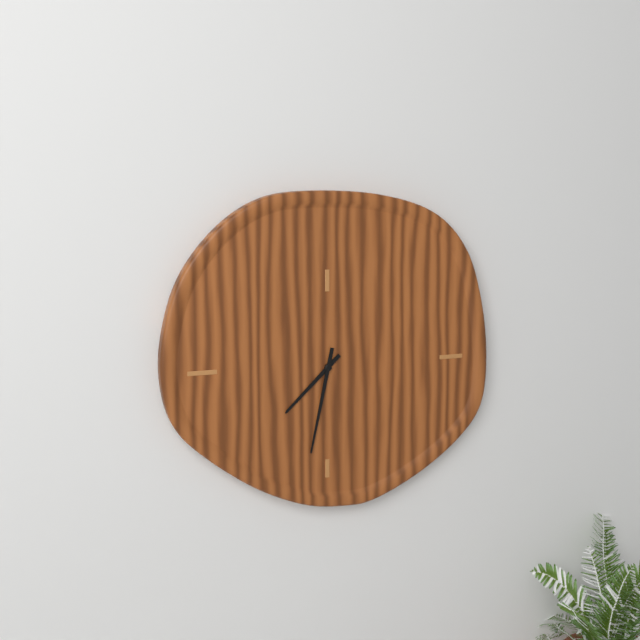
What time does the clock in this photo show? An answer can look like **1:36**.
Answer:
**7:32**
